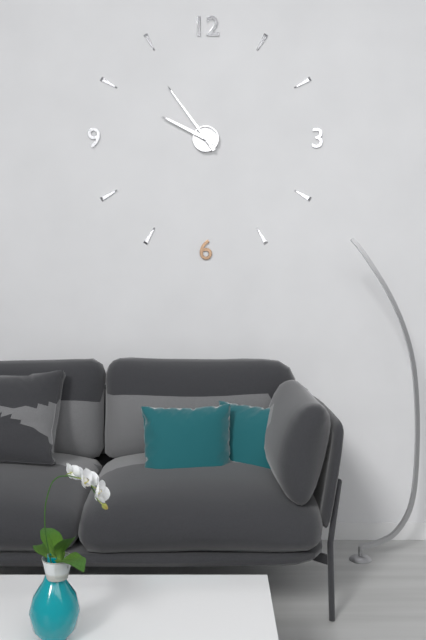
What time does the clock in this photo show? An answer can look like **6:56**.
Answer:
**9:54**
